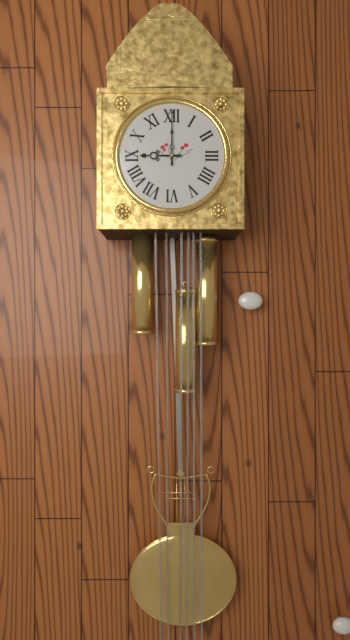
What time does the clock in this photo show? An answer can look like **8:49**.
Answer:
**9:00**
